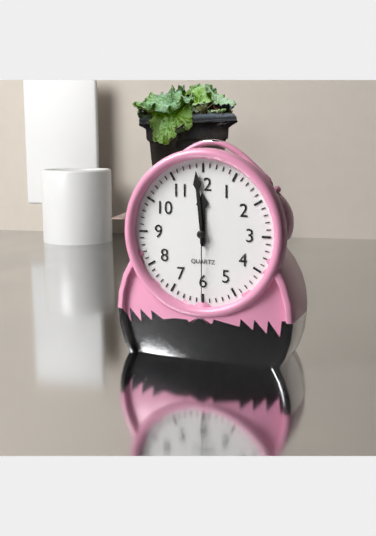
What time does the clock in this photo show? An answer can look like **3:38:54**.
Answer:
**11:59:30**
